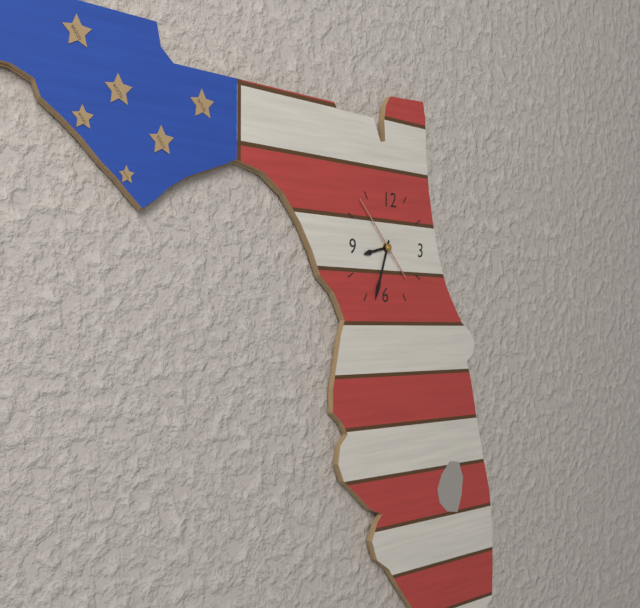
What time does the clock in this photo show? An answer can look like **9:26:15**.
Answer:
**8:33:53**
